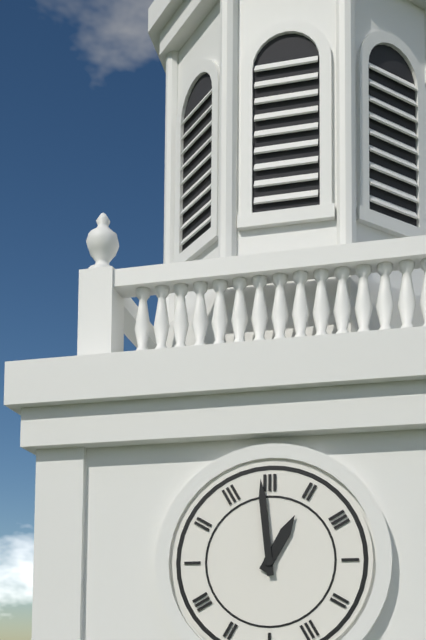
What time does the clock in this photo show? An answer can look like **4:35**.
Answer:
**12:59**
